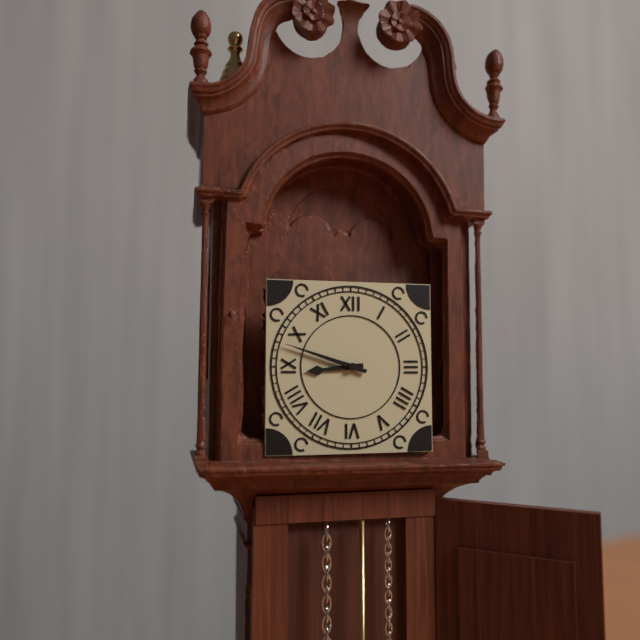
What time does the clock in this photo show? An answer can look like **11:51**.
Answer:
**8:48**
